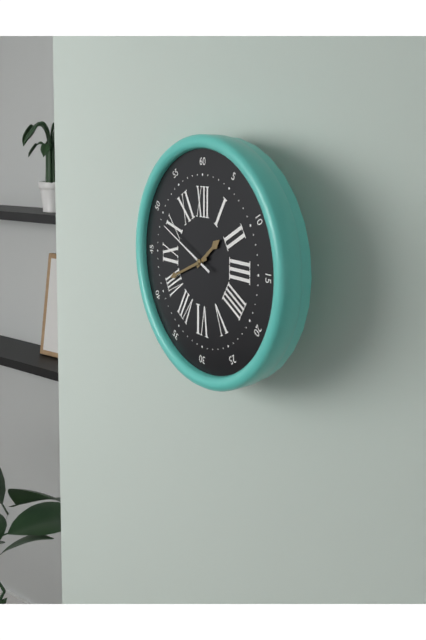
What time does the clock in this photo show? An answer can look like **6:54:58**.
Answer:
**1:41:49**
